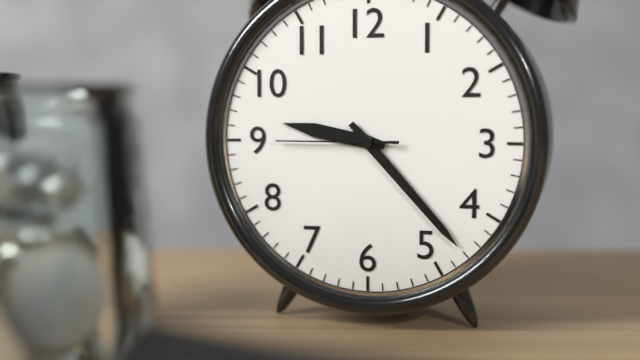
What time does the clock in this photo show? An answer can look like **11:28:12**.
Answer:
**9:23:45**
